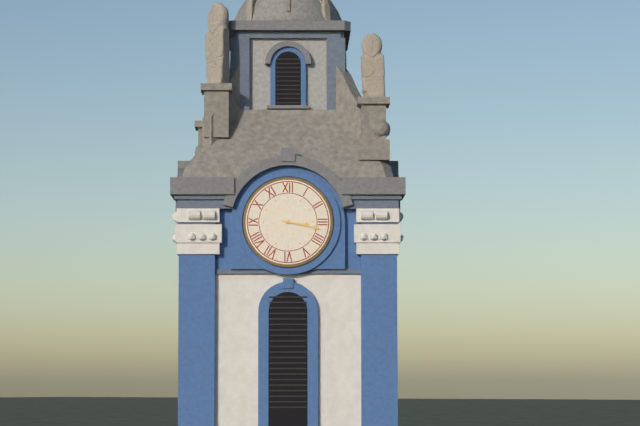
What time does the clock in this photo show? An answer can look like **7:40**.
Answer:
**3:17**
